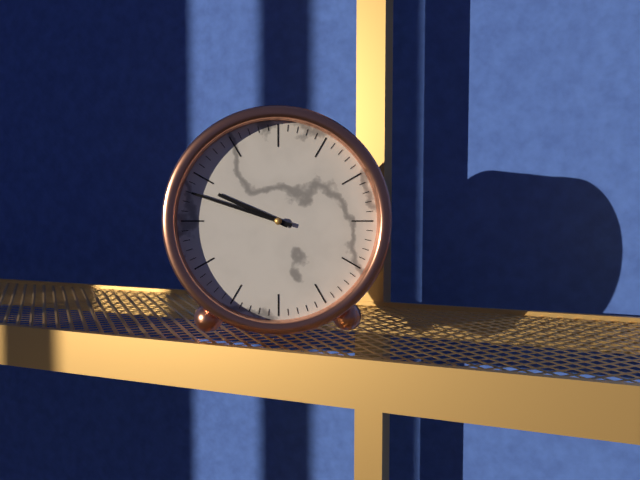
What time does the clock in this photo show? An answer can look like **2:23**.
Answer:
**9:48**
